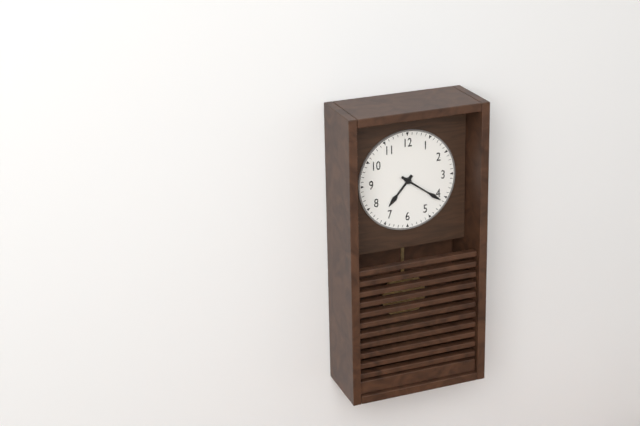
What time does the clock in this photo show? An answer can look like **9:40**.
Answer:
**7:21**
